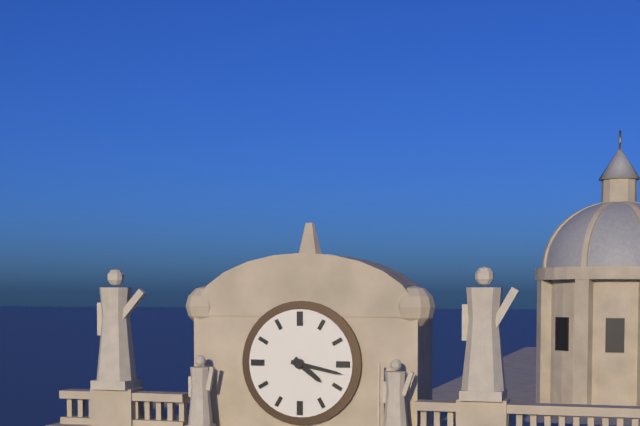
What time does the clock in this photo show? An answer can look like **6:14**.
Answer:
**4:17**
